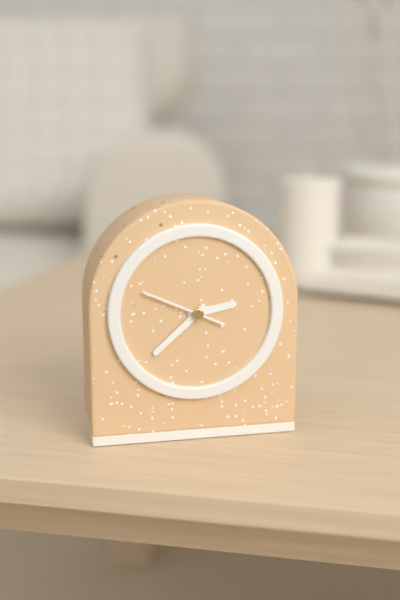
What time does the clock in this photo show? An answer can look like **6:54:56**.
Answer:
**2:38:49**
